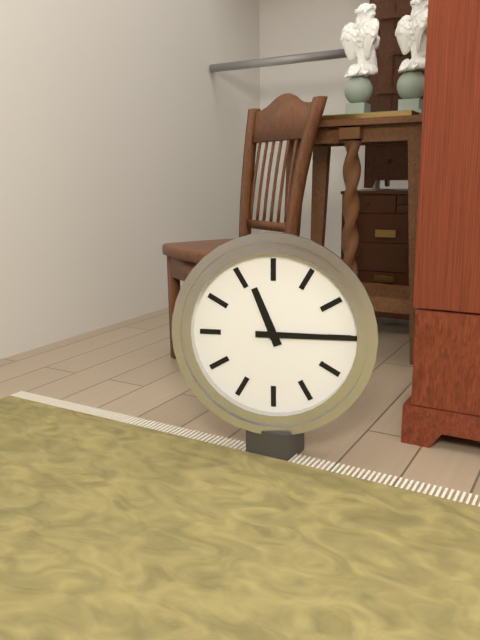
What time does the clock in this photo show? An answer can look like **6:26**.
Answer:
**11:15**
